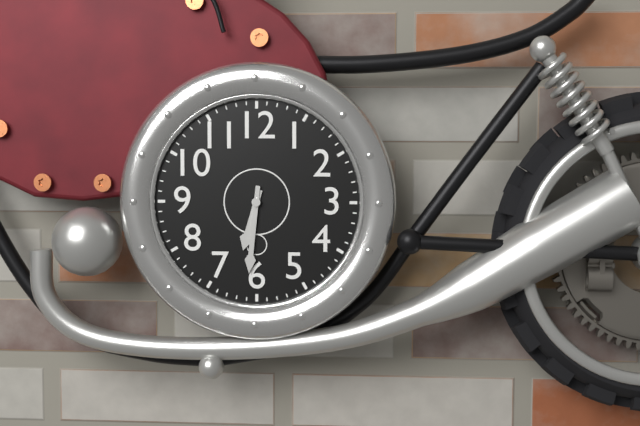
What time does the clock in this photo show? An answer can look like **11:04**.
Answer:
**6:31**
